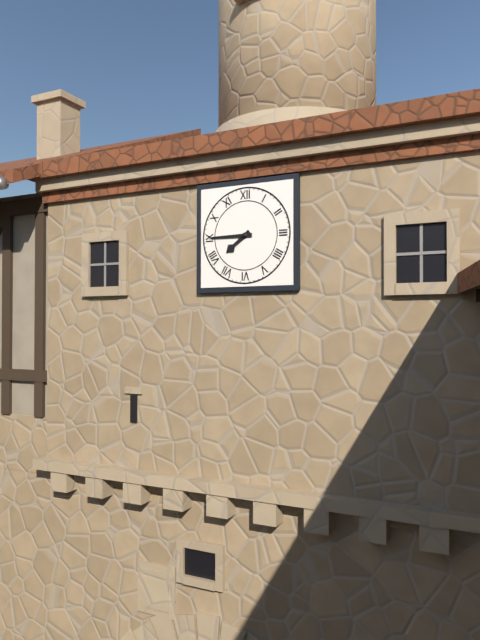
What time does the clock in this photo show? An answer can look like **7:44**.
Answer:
**7:45**
